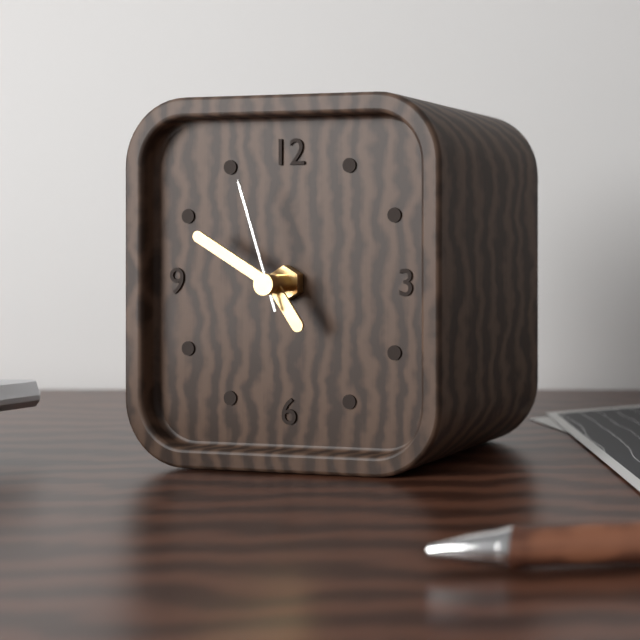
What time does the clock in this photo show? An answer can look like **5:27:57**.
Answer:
**4:50:57**
